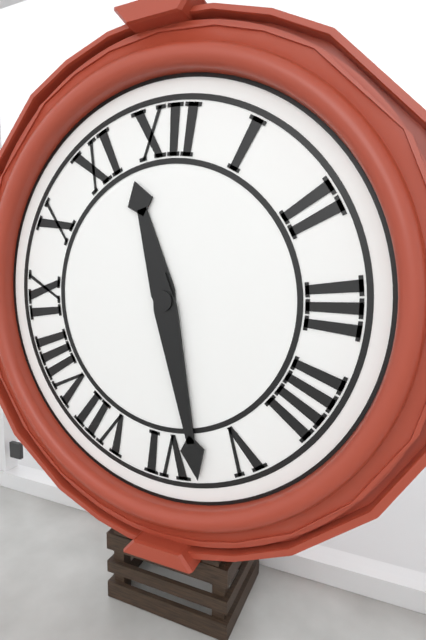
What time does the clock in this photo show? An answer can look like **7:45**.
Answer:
**11:28**
